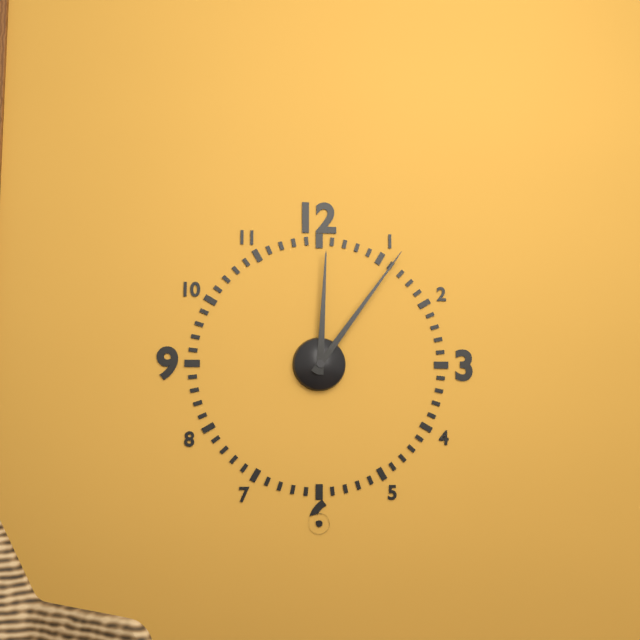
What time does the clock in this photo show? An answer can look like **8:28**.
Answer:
**12:06**
